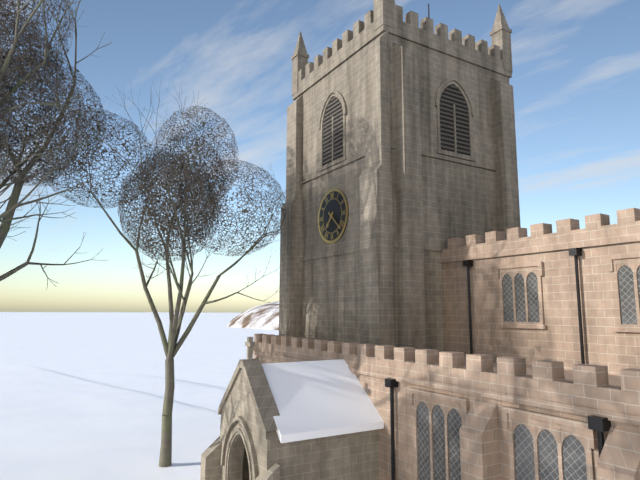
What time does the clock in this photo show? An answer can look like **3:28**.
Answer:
**7:22**
